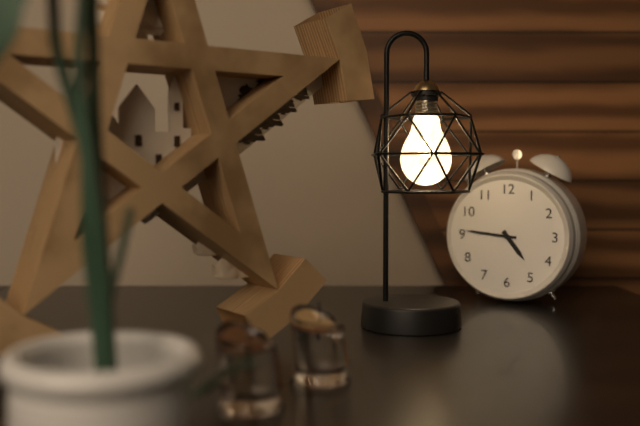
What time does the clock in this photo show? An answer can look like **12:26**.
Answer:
**4:46**
